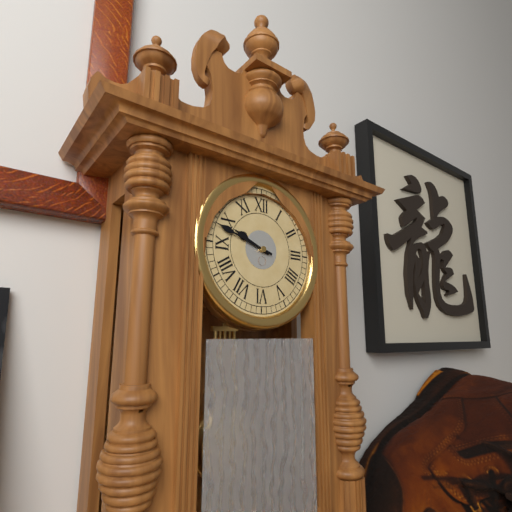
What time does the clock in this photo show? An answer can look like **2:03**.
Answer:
**9:48**
